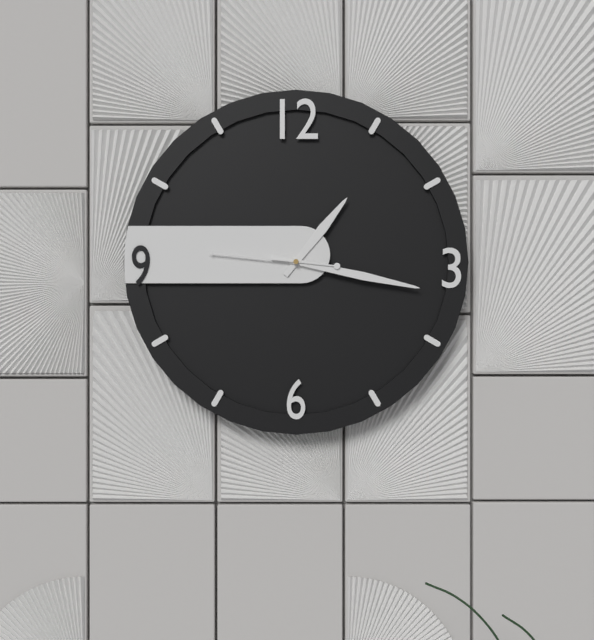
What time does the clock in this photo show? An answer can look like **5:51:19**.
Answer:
**1:17:46**
